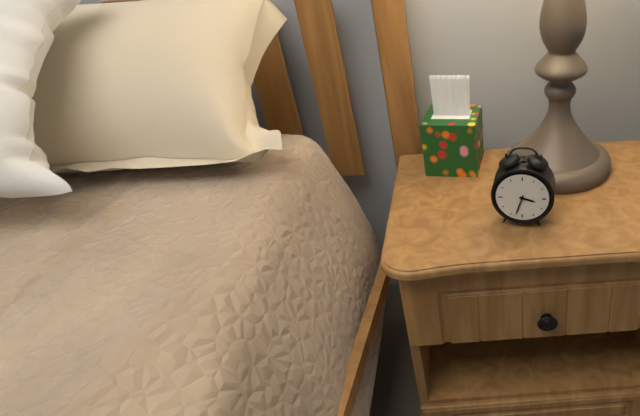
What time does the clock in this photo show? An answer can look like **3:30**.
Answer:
**3:33**
